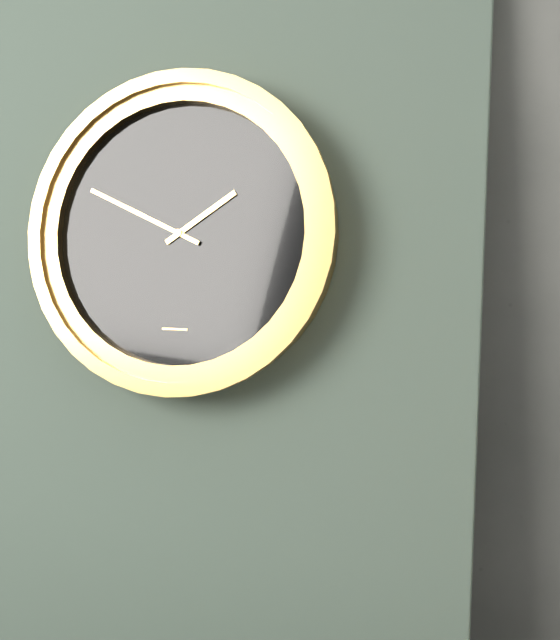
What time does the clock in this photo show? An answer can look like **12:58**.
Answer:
**1:49**
